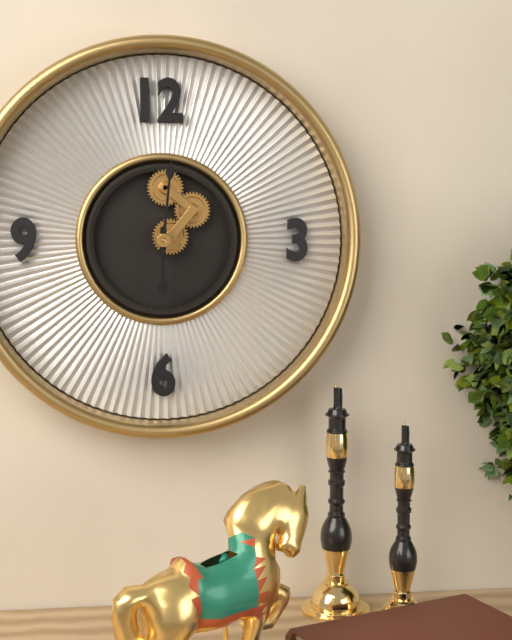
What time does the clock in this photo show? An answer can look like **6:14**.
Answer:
**6:01**
